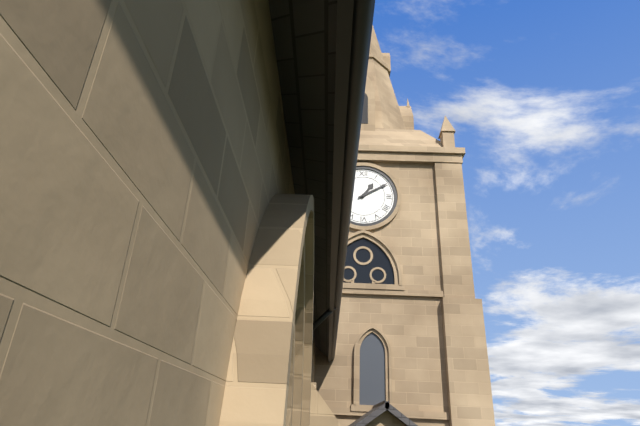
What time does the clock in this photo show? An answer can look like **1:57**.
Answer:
**1:10**
